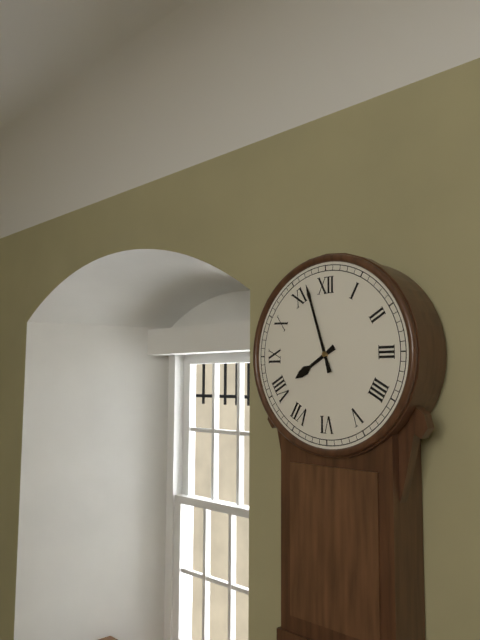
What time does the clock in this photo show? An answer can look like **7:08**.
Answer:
**7:57**
